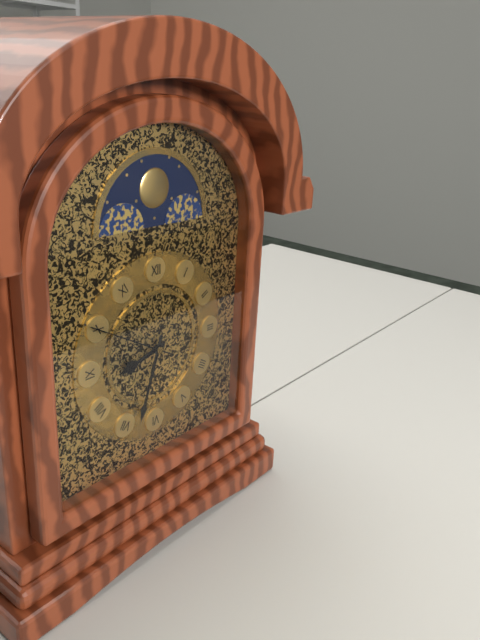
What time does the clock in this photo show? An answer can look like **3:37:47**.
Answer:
**8:33:50**
